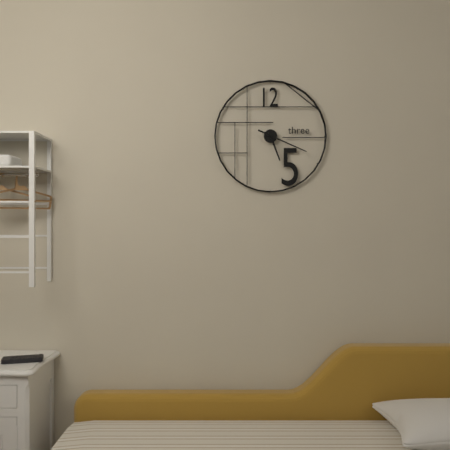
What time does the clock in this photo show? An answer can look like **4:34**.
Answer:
**5:19**
